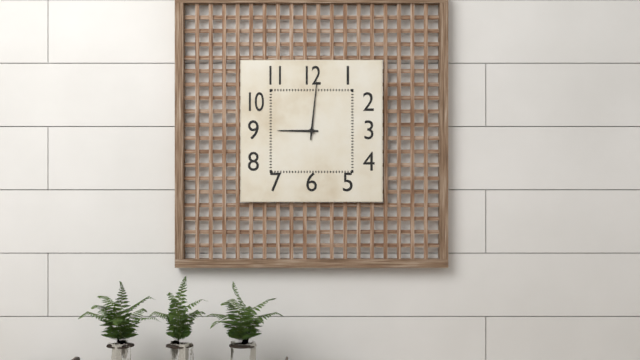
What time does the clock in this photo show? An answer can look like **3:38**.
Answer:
**9:01**
